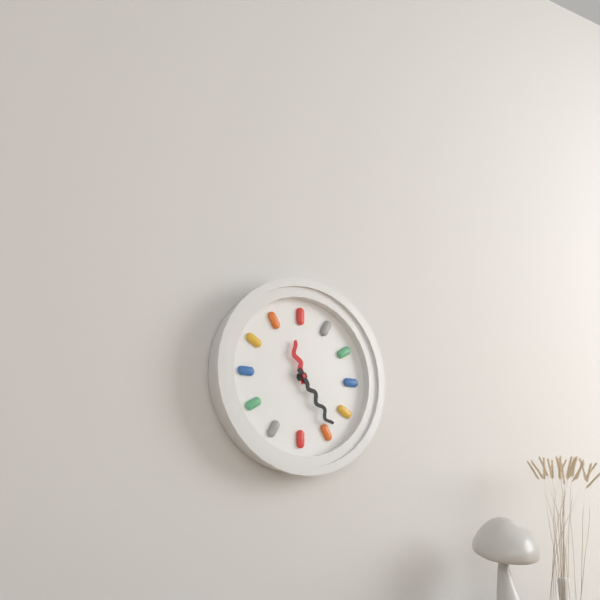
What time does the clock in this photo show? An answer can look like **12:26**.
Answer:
**11:24**
